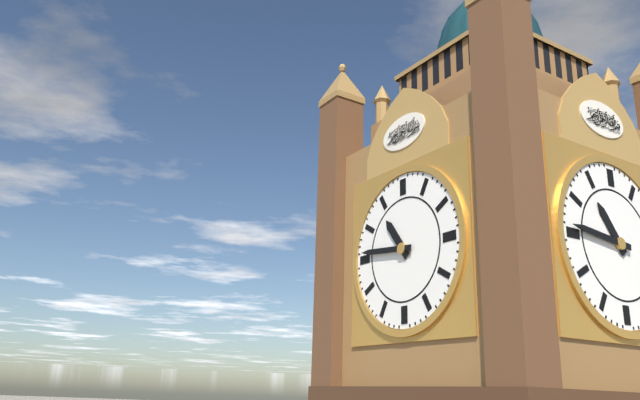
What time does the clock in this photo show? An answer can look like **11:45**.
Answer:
**10:46**
